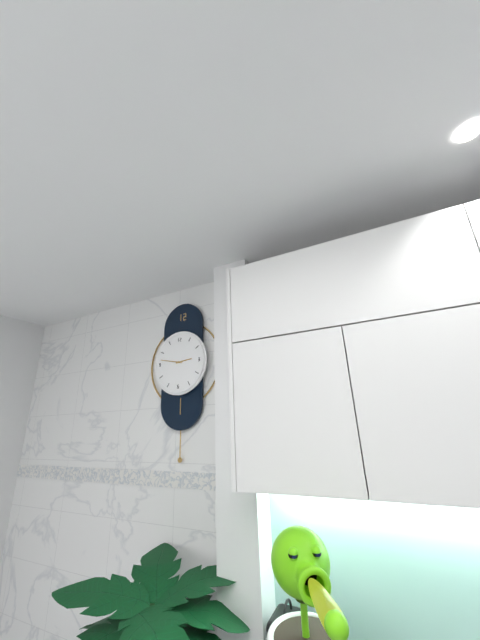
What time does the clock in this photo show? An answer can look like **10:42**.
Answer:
**2:47**
